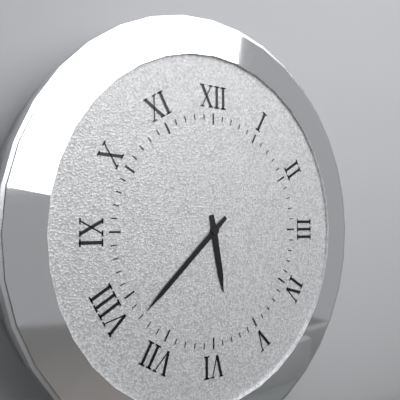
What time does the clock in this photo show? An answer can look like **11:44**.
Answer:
**5:38**
